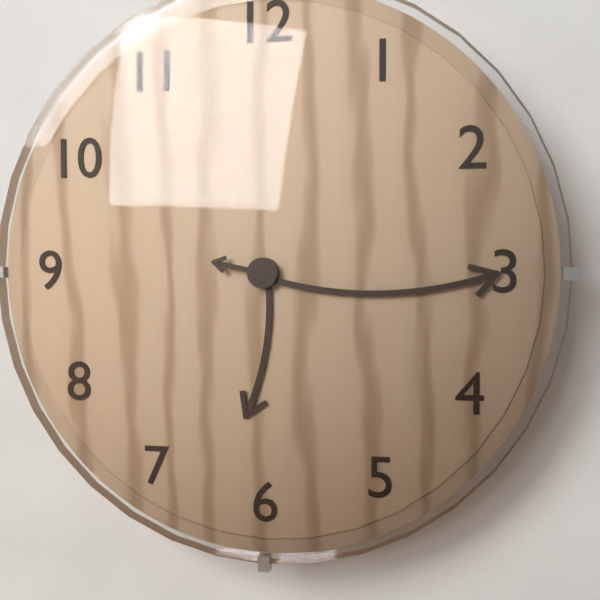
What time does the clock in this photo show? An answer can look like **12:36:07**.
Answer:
**6:15:47**
